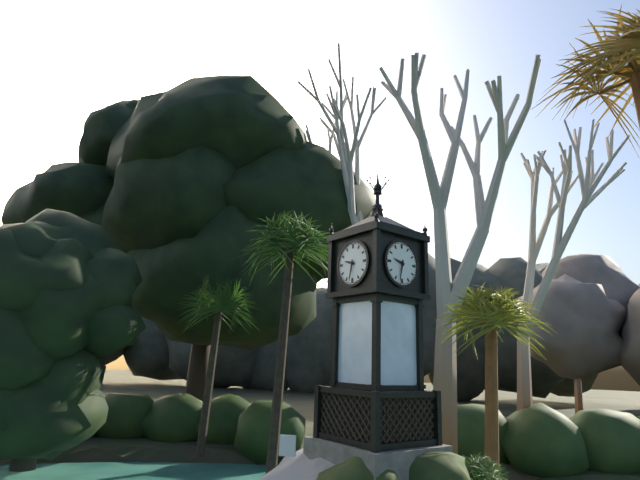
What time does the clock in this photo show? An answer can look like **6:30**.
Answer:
**9:32**
